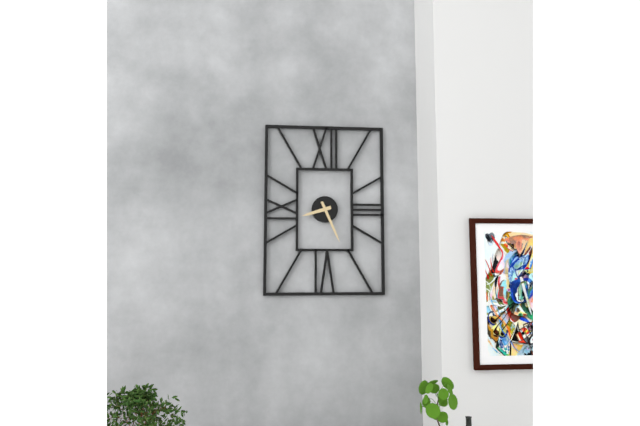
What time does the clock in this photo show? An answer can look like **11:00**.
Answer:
**8:26**
